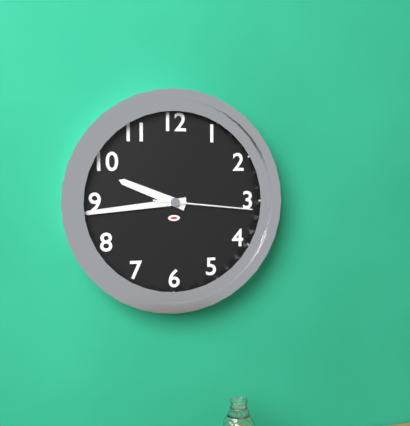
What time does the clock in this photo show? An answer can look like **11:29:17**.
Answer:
**9:44:16**
